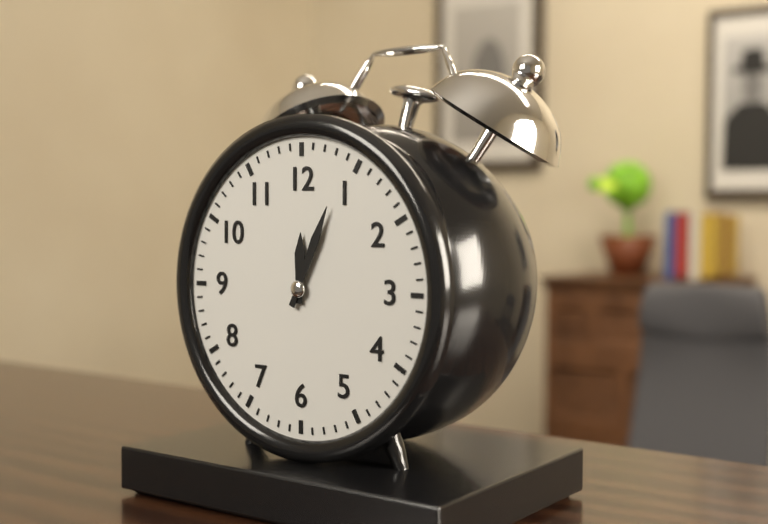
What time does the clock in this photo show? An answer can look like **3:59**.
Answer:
**12:04**
